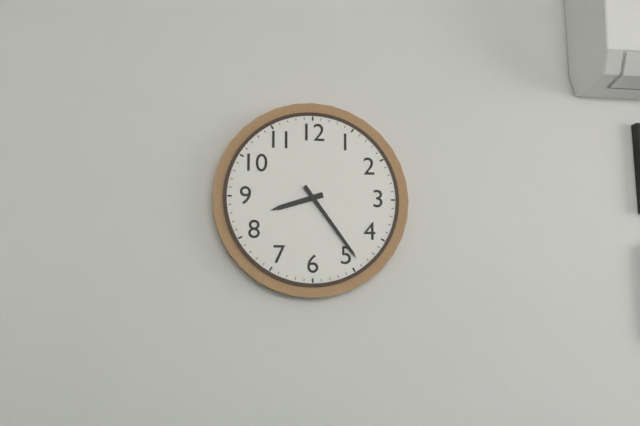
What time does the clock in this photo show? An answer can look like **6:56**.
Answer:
**8:24**
